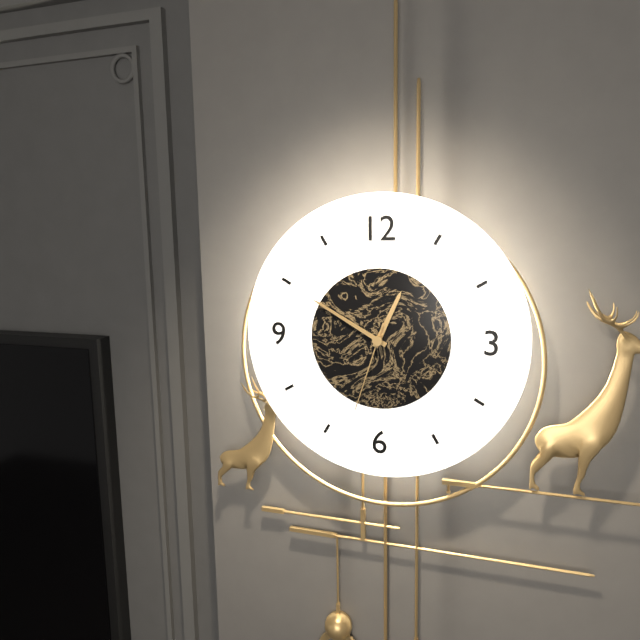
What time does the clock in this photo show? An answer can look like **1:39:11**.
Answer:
**12:50:33**
